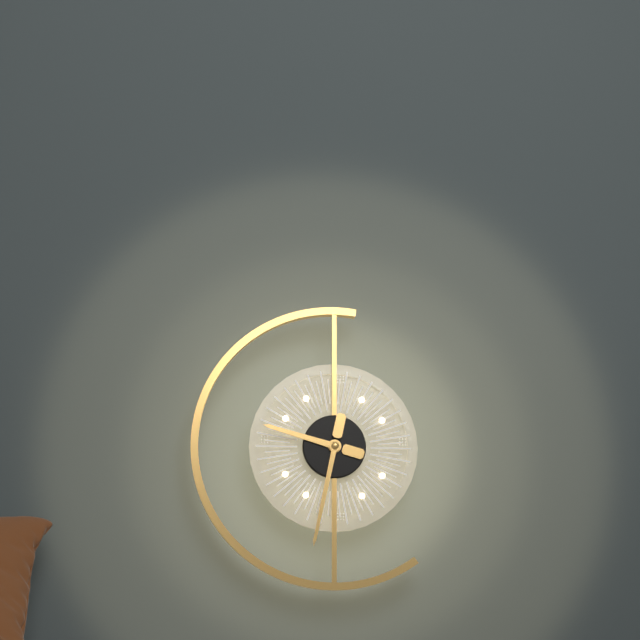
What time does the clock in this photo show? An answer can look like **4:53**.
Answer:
**9:32**
